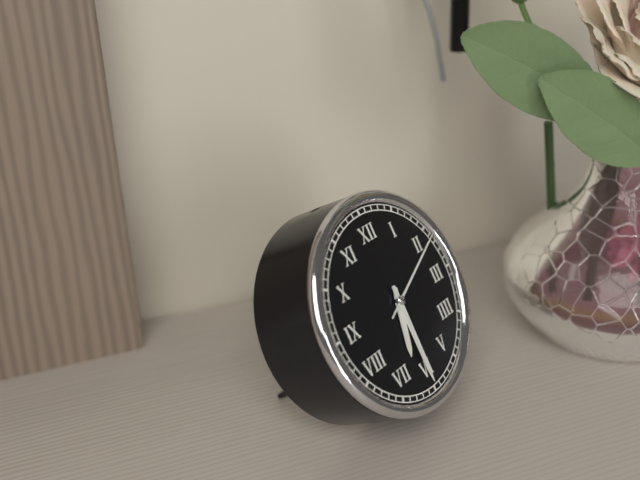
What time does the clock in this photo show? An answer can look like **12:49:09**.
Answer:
**6:30:11**
